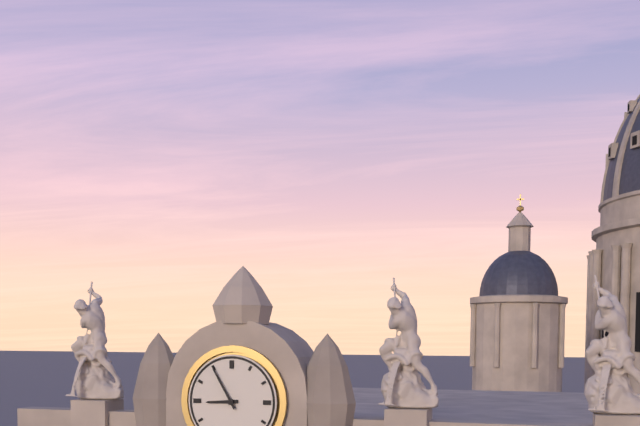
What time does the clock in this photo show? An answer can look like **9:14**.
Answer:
**8:55**
